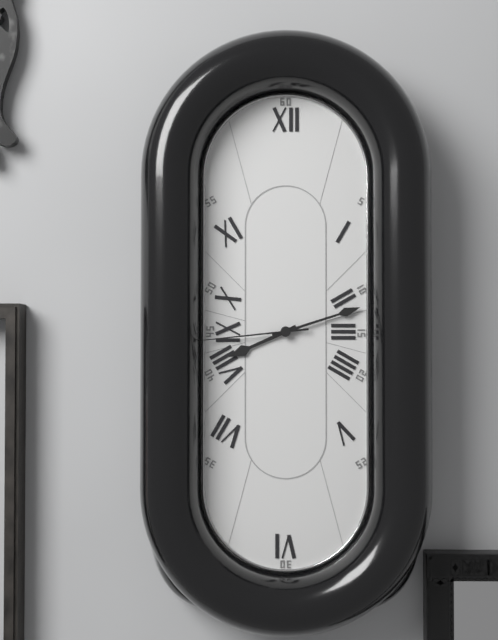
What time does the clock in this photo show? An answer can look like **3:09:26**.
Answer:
**8:12:44**
